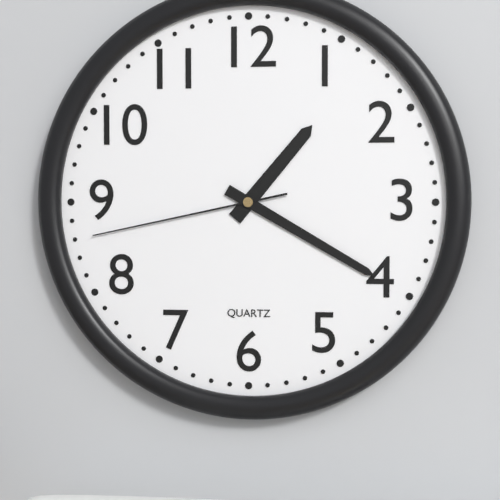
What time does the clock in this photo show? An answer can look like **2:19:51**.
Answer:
**1:20:43**
